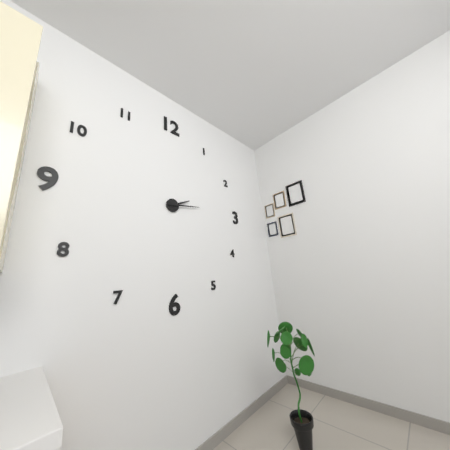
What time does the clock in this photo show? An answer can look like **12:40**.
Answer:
**2:14**
